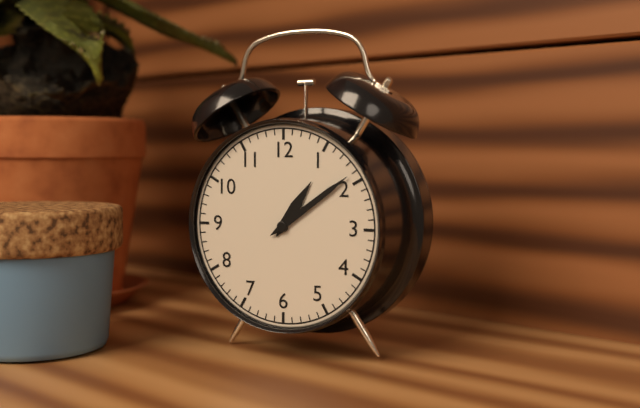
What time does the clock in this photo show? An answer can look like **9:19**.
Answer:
**1:09**
